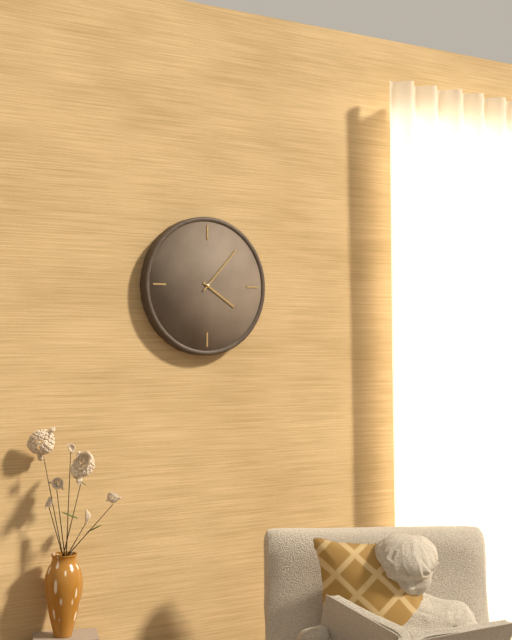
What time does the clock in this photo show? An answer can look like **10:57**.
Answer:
**4:07**
